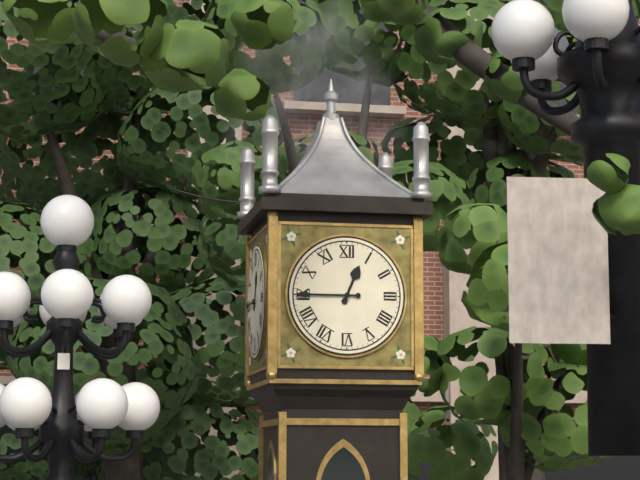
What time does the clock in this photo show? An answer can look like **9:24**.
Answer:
**12:45**
